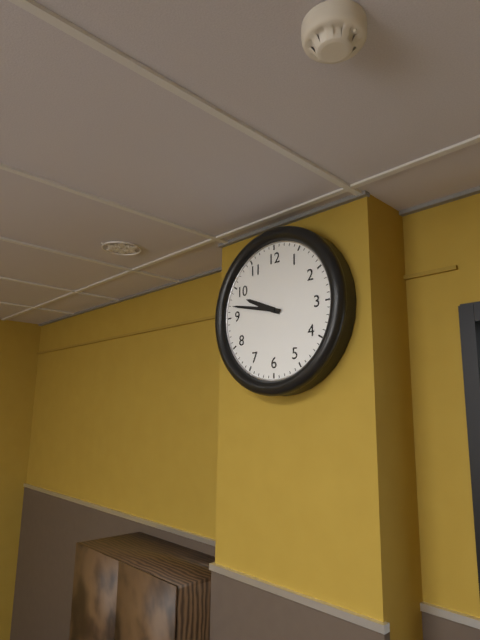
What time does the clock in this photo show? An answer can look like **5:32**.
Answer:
**9:47**
